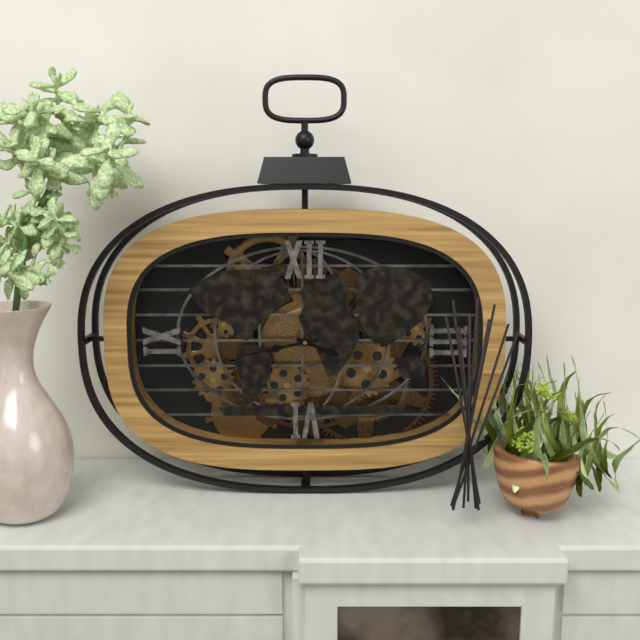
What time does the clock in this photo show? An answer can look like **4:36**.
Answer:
**3:43**
